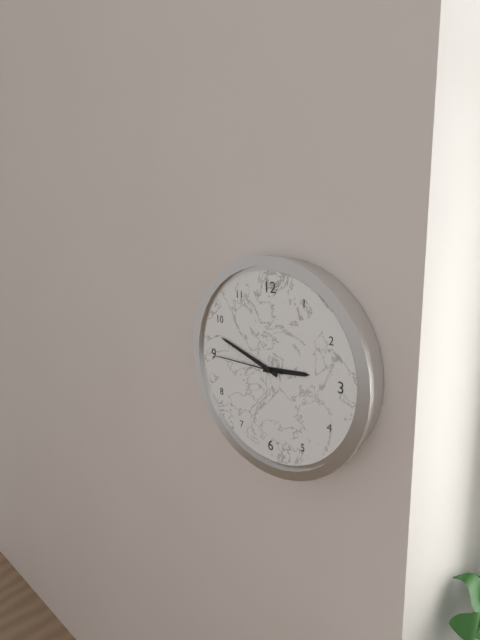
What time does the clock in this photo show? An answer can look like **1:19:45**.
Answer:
**2:48:45**
